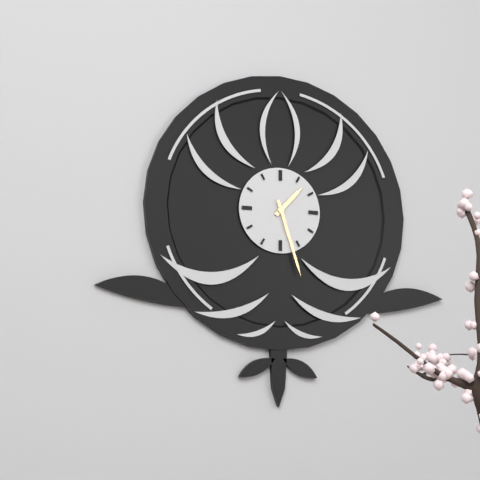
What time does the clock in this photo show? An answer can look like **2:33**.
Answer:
**1:27**
